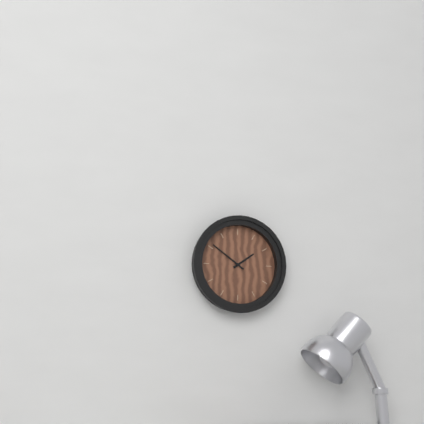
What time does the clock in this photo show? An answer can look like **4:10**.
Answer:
**1:51**
